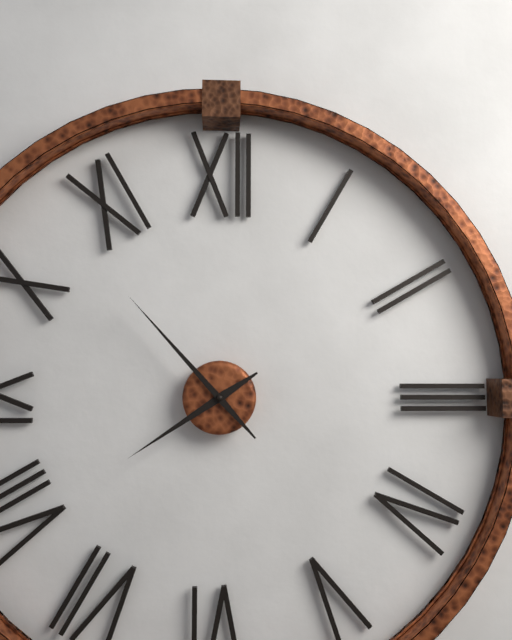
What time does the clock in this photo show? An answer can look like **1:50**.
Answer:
**7:53**
